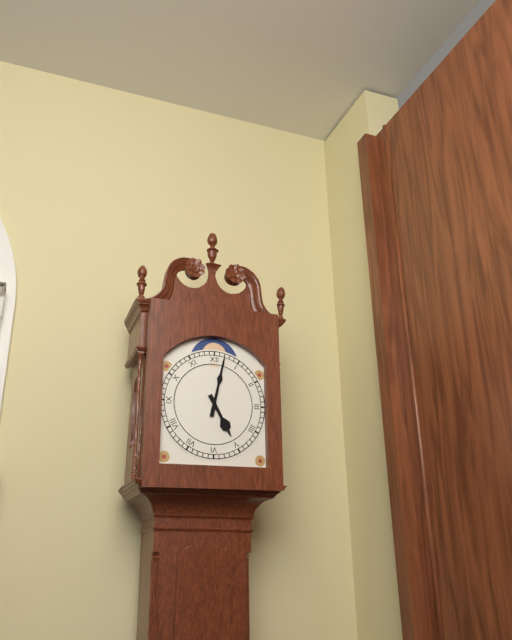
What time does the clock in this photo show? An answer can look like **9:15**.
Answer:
**5:02**
